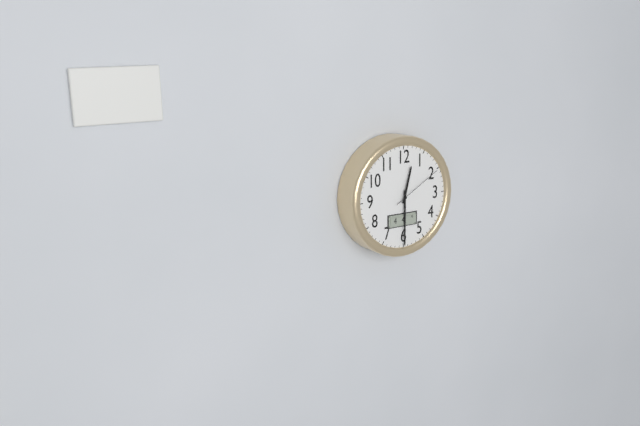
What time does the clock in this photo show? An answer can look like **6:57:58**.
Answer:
**12:30:10**
